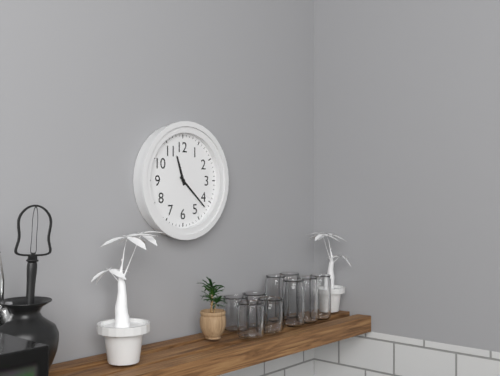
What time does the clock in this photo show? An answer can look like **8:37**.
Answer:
**11:22**
